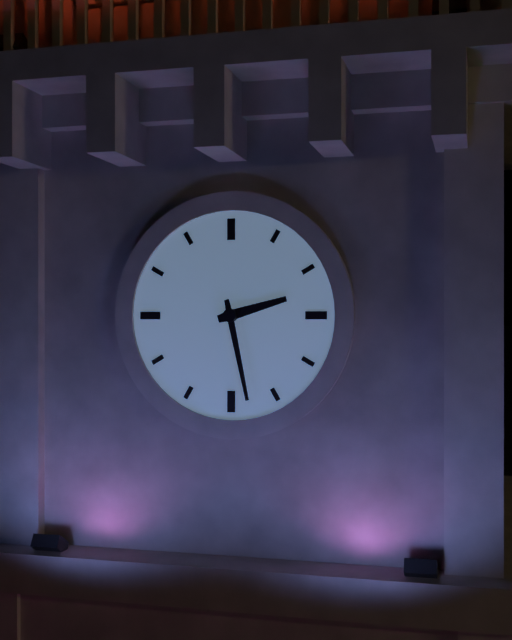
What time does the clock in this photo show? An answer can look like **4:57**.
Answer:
**2:28**
